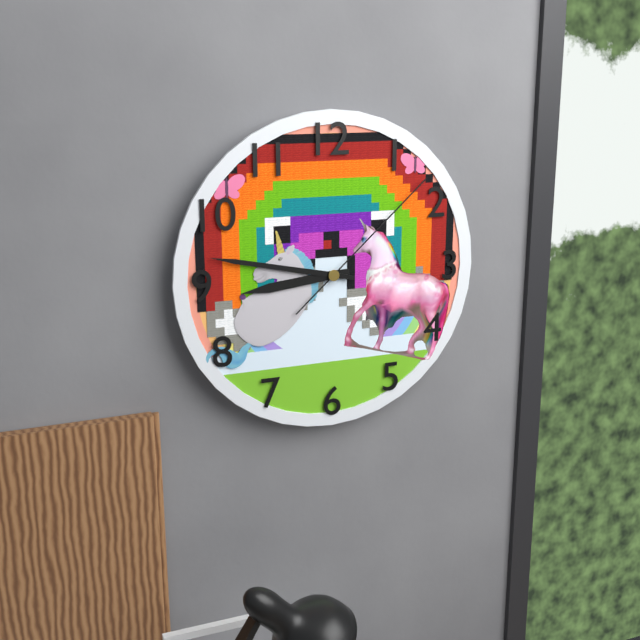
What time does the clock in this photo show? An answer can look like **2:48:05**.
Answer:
**8:47:08**
